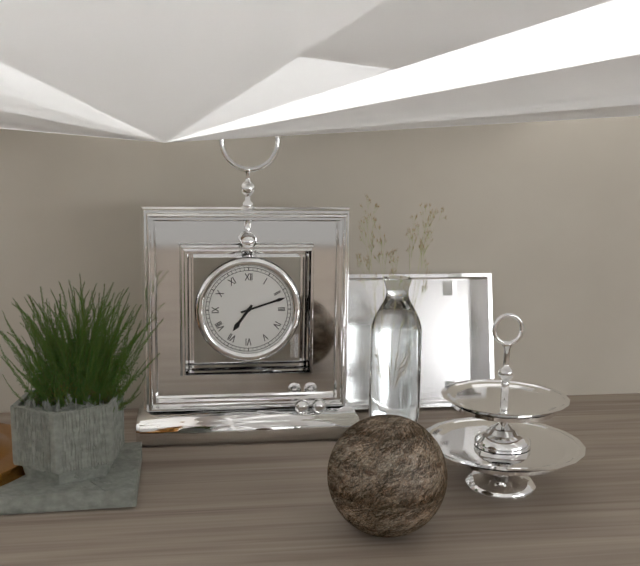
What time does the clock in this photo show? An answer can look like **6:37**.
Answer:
**7:12**
